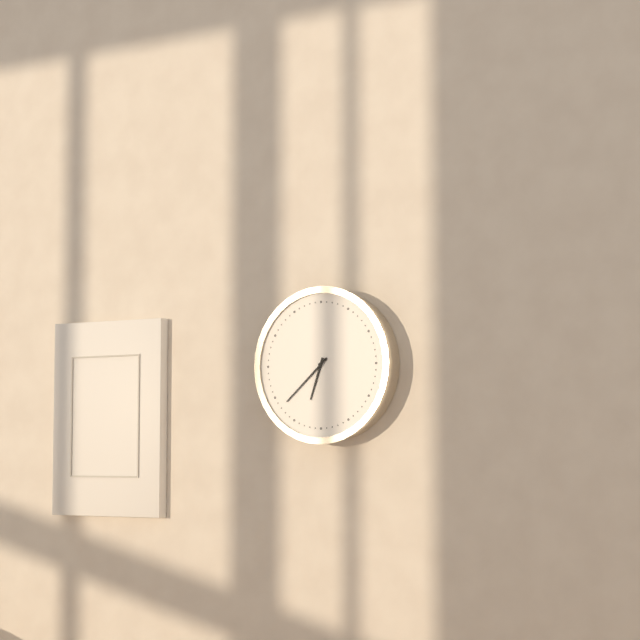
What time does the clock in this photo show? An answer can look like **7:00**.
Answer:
**6:38**
